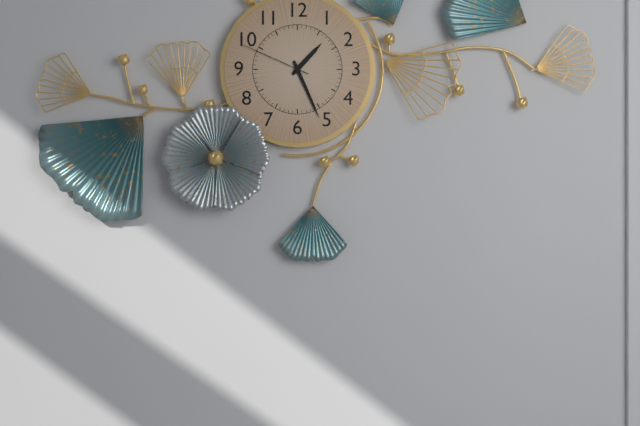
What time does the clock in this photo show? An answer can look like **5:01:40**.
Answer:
**1:26:49**
